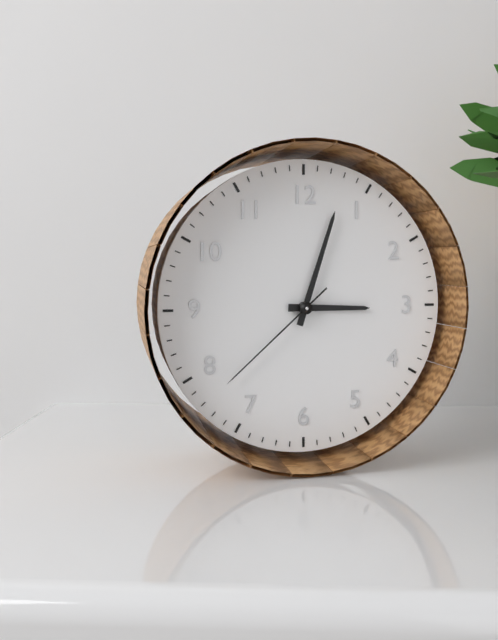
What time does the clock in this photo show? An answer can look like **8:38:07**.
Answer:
**3:03:38**
